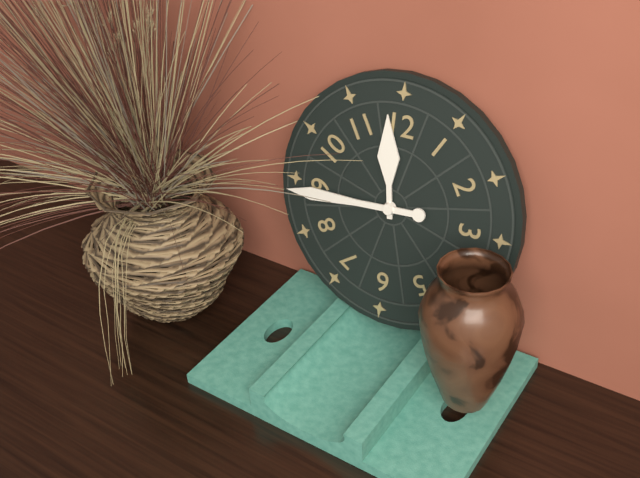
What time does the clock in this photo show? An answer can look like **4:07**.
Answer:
**11:44**
